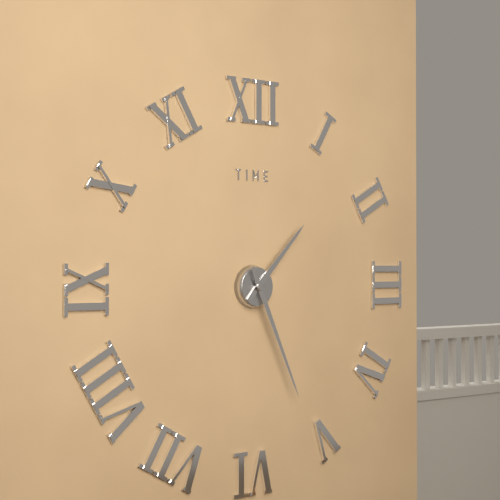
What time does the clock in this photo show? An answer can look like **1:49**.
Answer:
**1:26**
